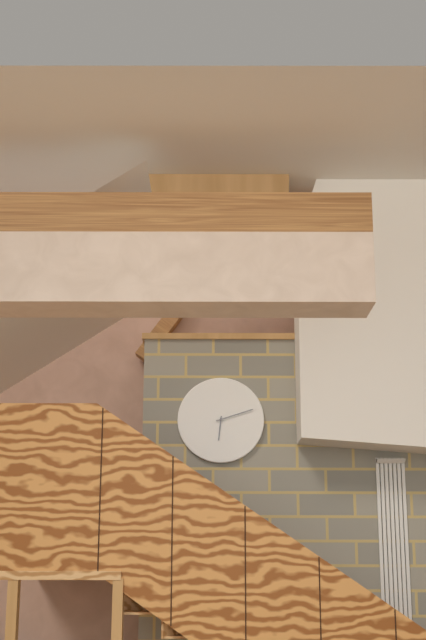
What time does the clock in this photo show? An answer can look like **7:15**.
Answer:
**6:12**
